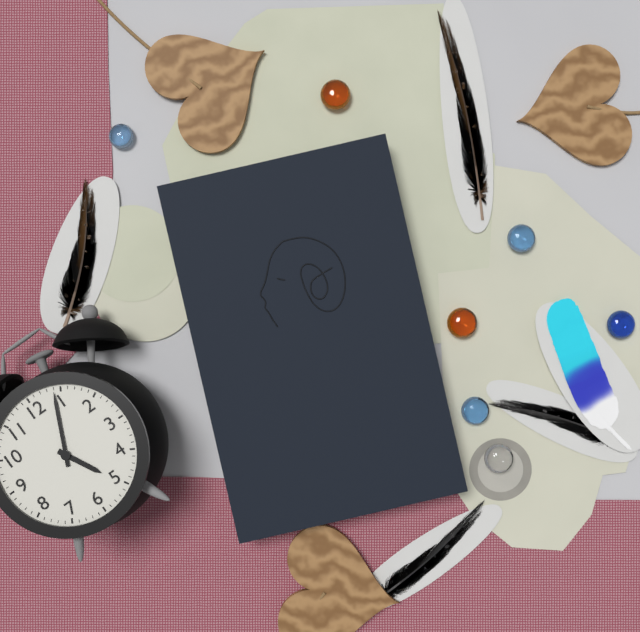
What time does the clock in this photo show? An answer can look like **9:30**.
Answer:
**5:04**
